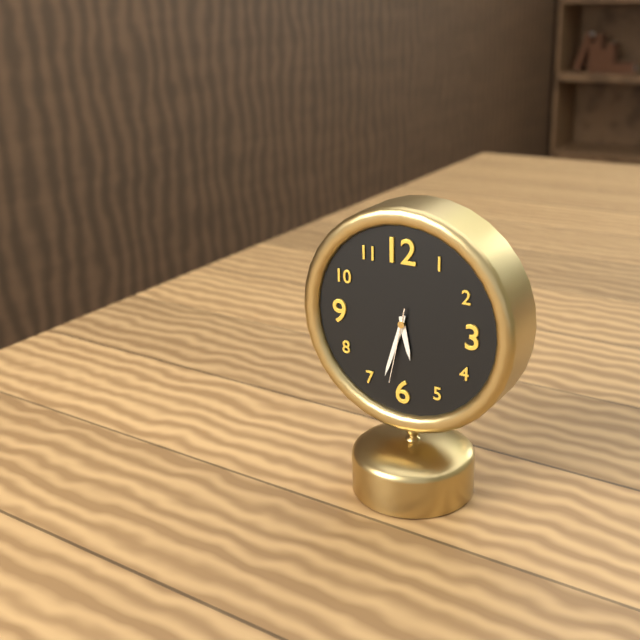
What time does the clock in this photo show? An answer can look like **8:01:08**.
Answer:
**5:33:32**
